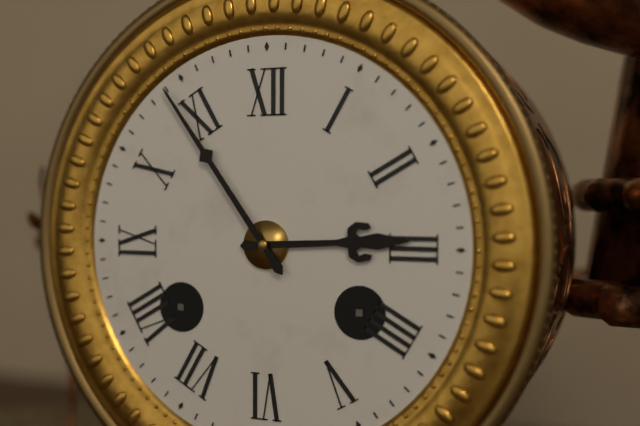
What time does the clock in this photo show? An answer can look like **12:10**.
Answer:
**2:54**
